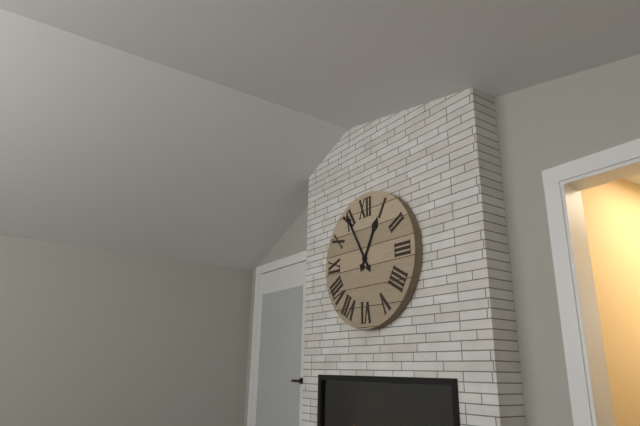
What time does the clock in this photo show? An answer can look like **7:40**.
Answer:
**12:55**
